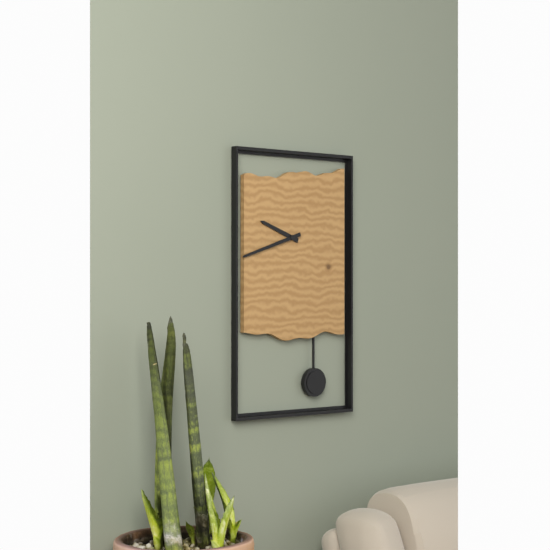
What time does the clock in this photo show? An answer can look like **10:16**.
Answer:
**9:42**
